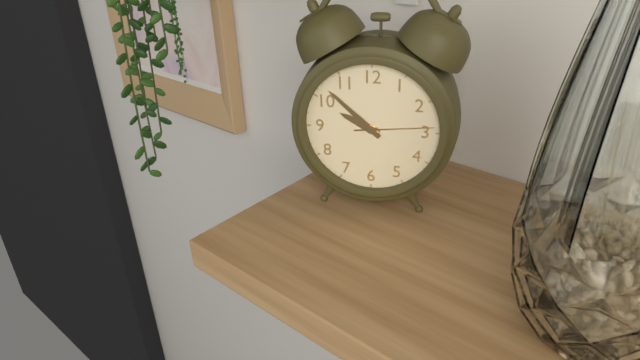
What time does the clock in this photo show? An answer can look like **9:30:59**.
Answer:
**9:52:14**
